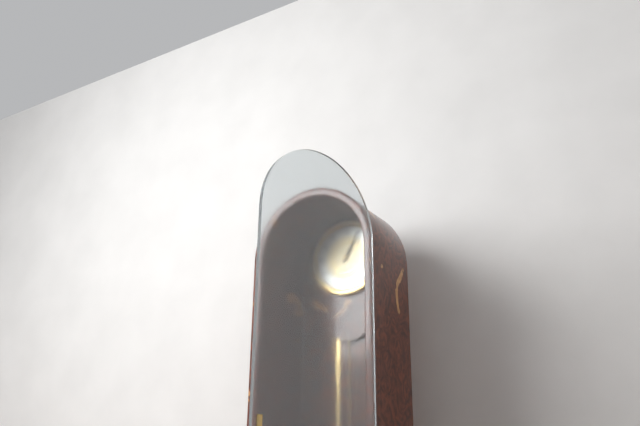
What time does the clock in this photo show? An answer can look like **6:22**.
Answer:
**1:05**
